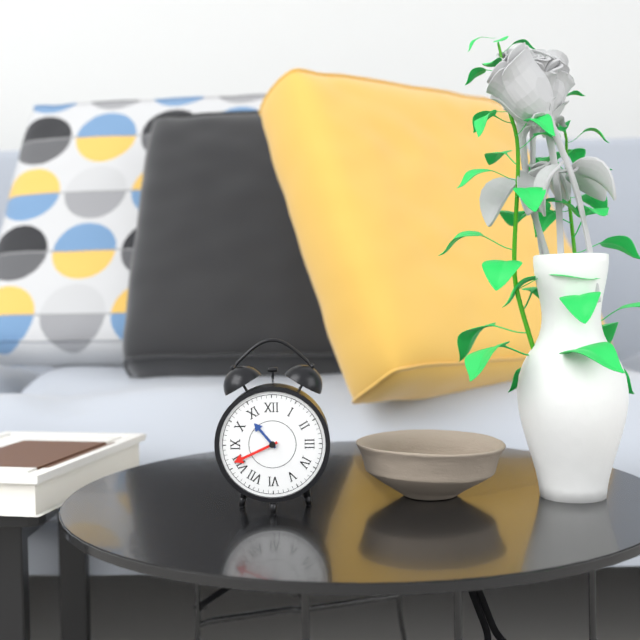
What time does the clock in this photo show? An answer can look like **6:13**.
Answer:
**10:41**
